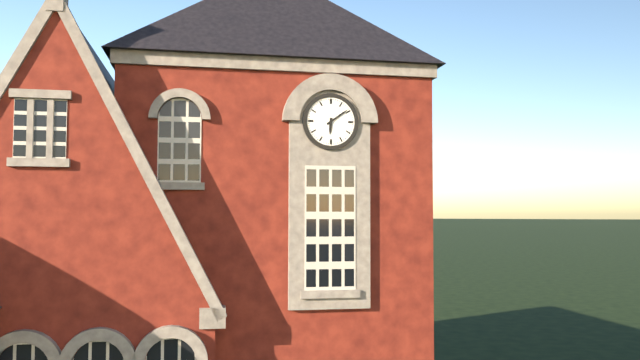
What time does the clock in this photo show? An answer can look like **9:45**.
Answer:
**6:09**
